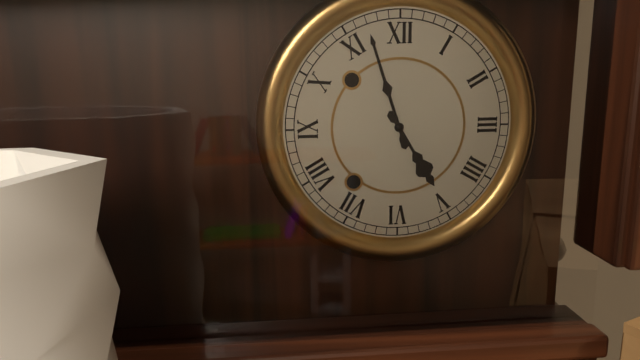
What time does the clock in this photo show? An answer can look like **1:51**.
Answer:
**4:57**
